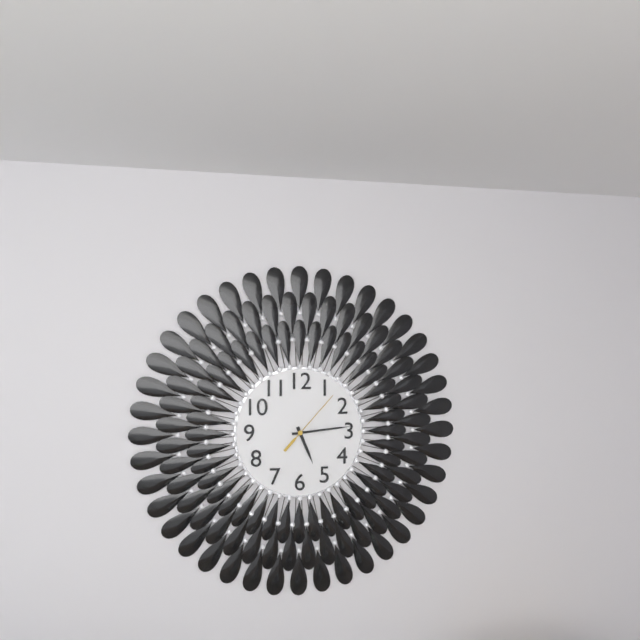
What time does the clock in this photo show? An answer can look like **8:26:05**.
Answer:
**5:14:07**
